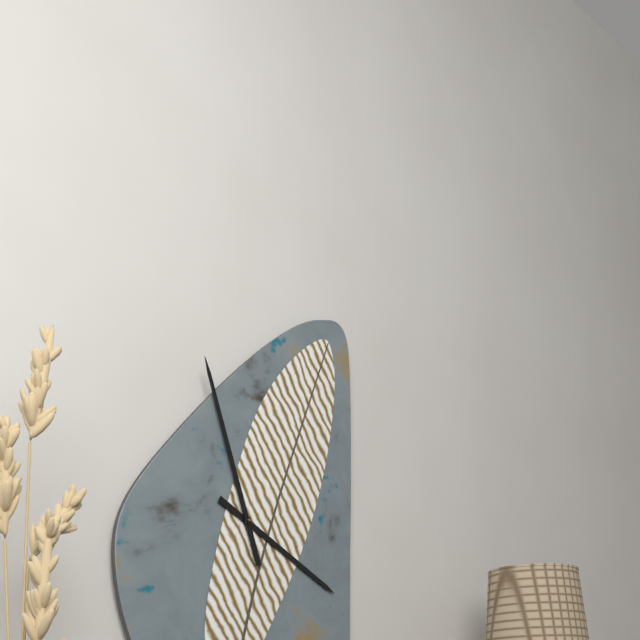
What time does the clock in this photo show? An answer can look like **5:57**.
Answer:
**3:57**
